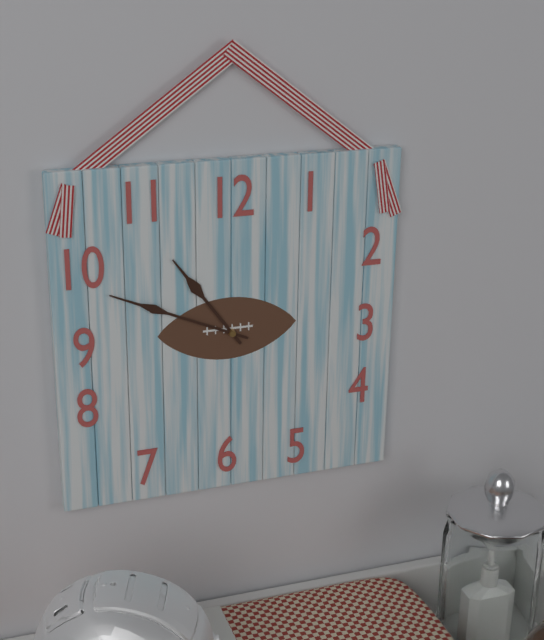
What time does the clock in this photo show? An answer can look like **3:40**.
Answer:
**10:49**
